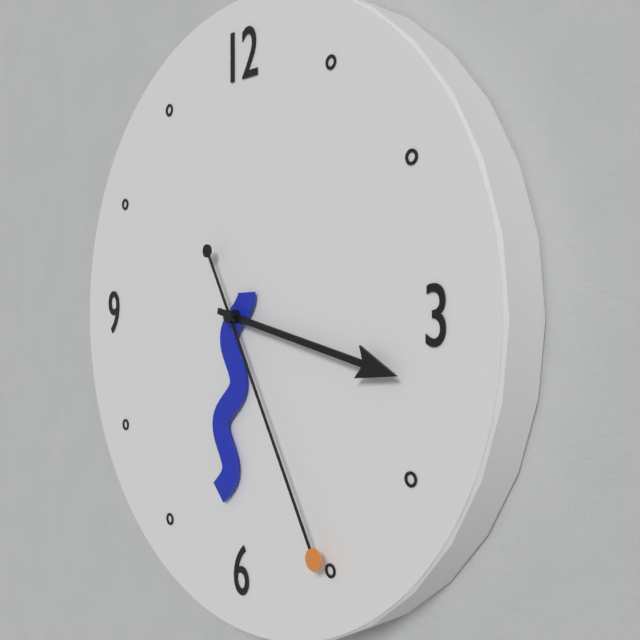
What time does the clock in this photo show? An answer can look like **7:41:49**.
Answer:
**6:17:25**
